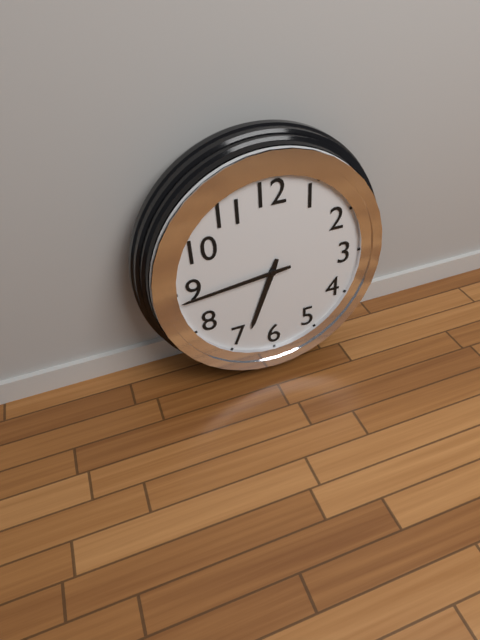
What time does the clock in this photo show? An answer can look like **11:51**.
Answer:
**6:44**
